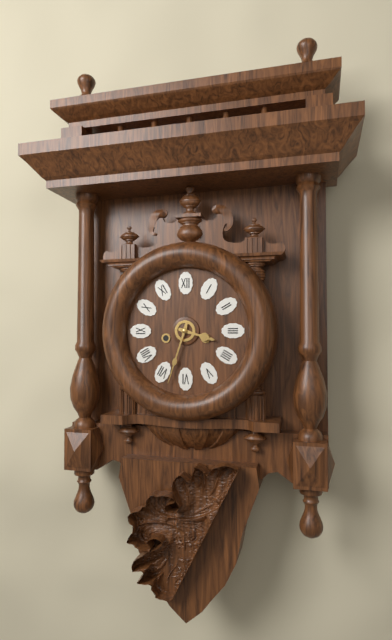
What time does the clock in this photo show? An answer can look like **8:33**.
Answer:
**3:33**
